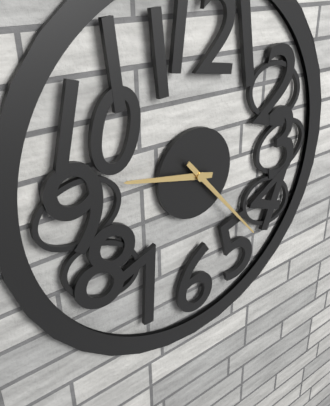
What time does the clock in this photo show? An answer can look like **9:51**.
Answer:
**9:23**
